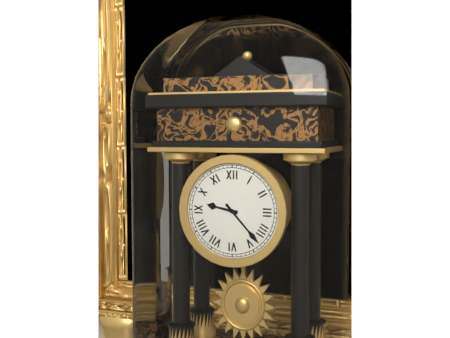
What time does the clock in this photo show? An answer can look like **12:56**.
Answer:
**9:23**
